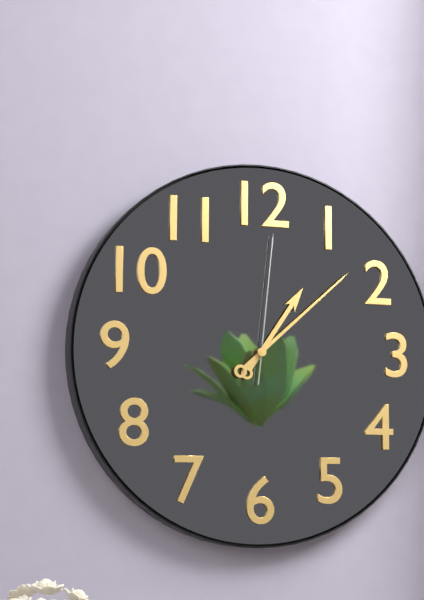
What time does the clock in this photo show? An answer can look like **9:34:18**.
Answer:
**1:08:01**
